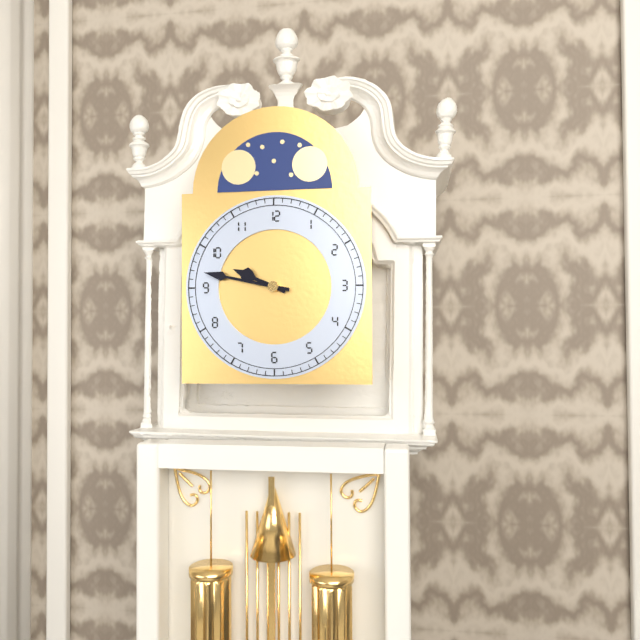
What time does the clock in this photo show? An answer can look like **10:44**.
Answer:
**9:47**
